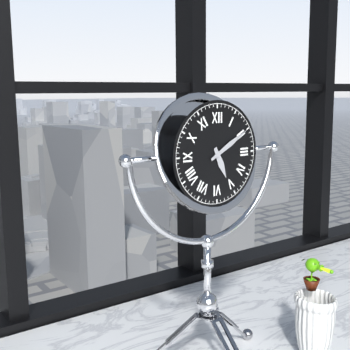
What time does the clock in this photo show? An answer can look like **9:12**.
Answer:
**5:10**
